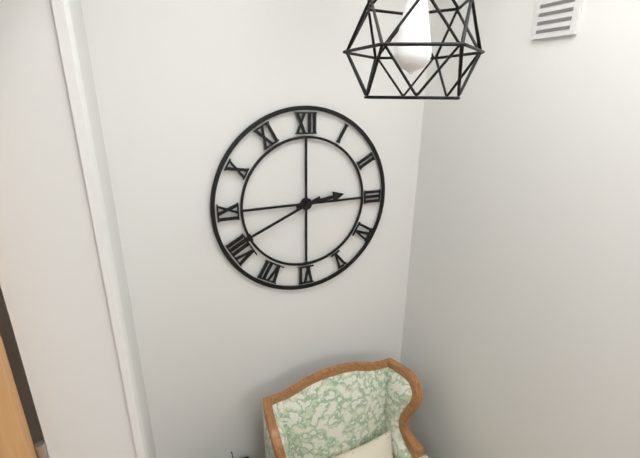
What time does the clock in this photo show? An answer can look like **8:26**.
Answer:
**2:41**
